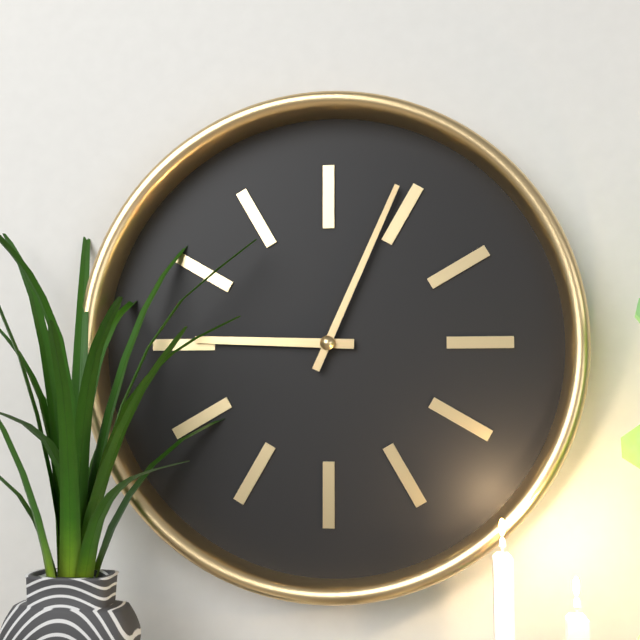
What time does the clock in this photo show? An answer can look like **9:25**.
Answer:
**9:04**
